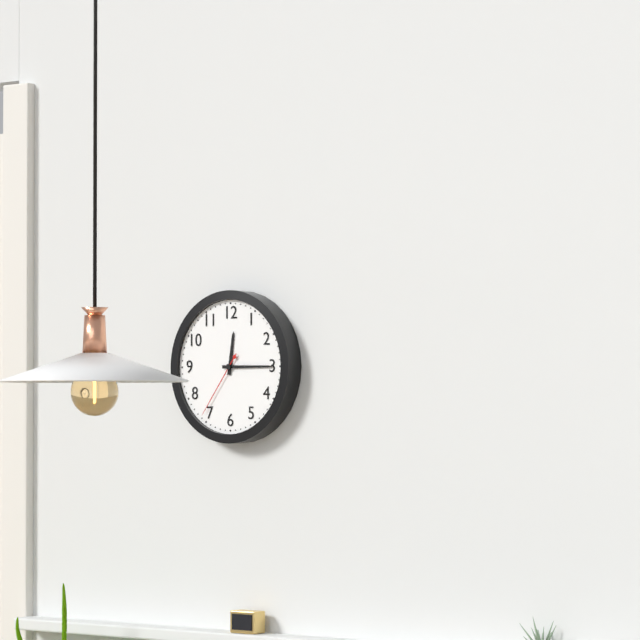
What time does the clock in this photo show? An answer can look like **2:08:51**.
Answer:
**12:15:36**
